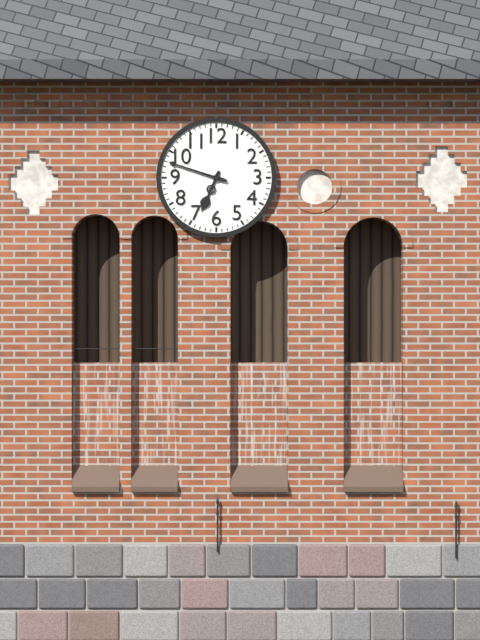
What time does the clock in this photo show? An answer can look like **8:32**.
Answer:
**6:48**
